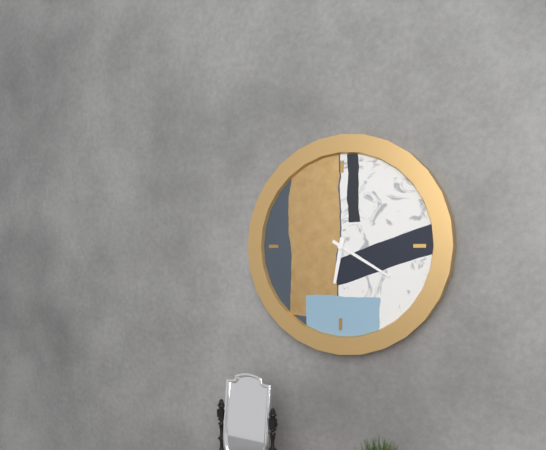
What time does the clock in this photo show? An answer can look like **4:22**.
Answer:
**6:20**
